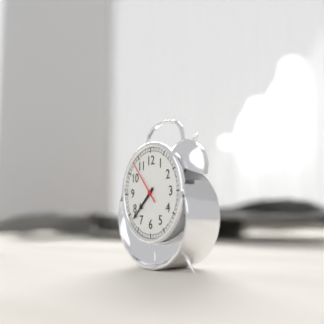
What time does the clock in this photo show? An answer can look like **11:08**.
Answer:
**7:38**
